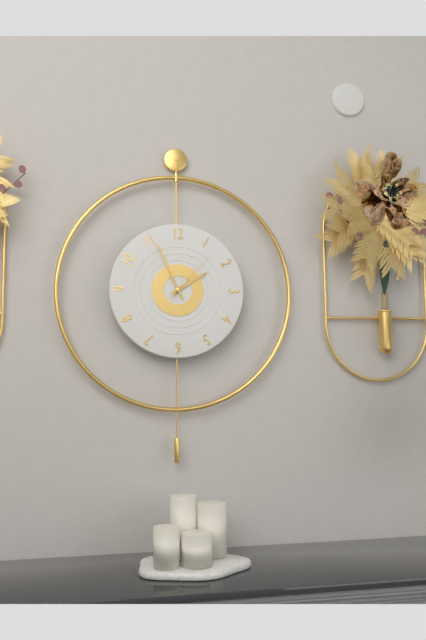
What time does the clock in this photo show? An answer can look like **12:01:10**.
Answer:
**1:56:07**
